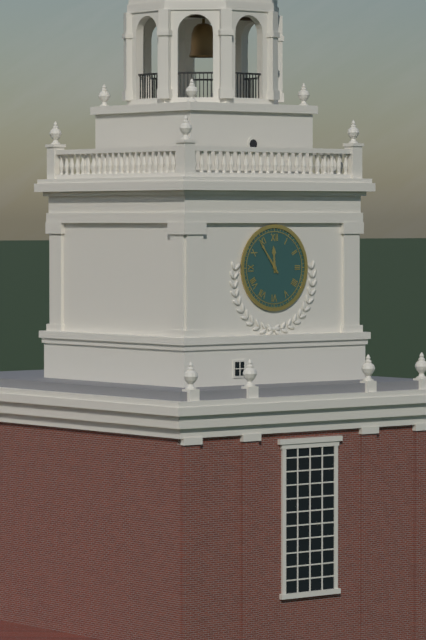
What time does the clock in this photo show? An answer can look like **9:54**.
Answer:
**11:54**
